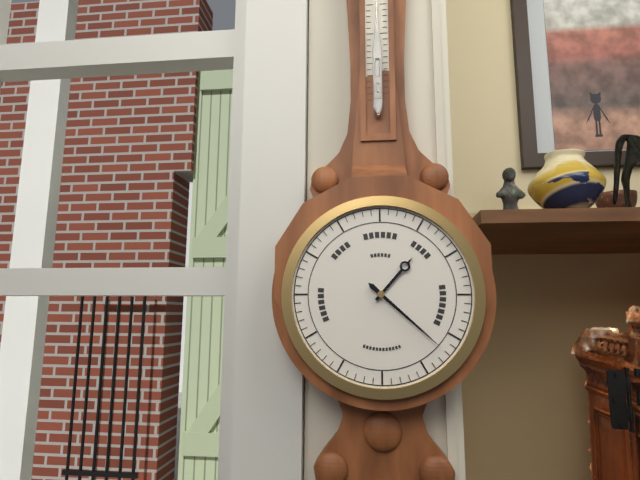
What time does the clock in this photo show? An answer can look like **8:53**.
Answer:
**1:22**
